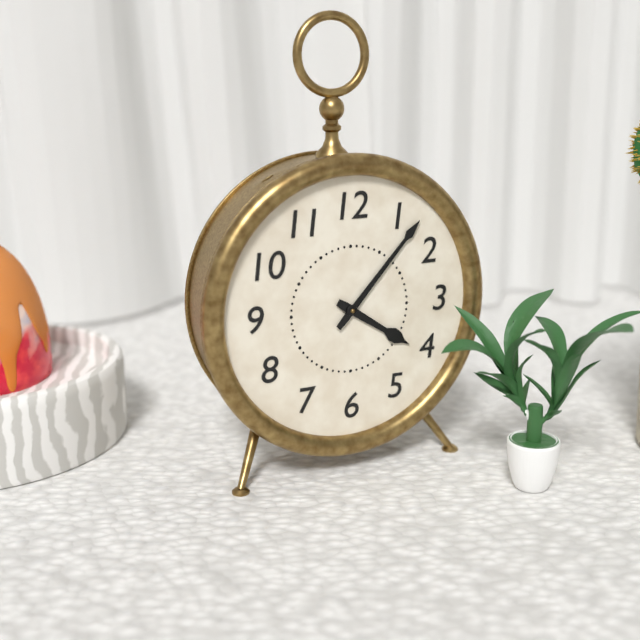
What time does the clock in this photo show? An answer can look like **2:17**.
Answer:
**4:07**
